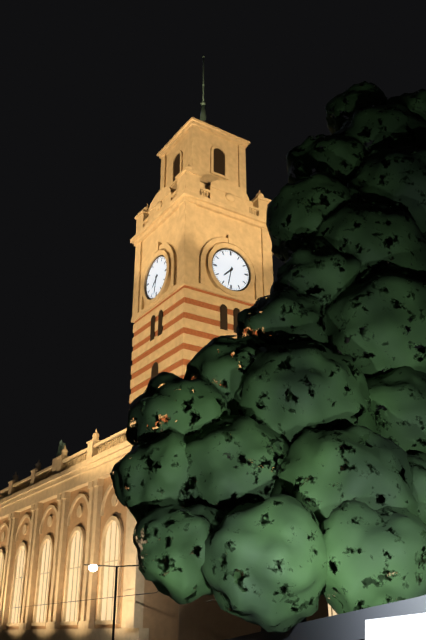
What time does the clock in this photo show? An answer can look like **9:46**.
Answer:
**7:32**
